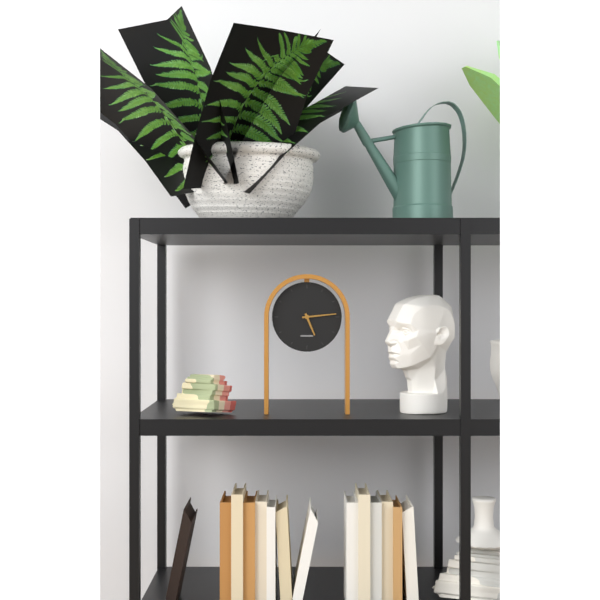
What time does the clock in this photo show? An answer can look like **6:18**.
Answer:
**5:14**
